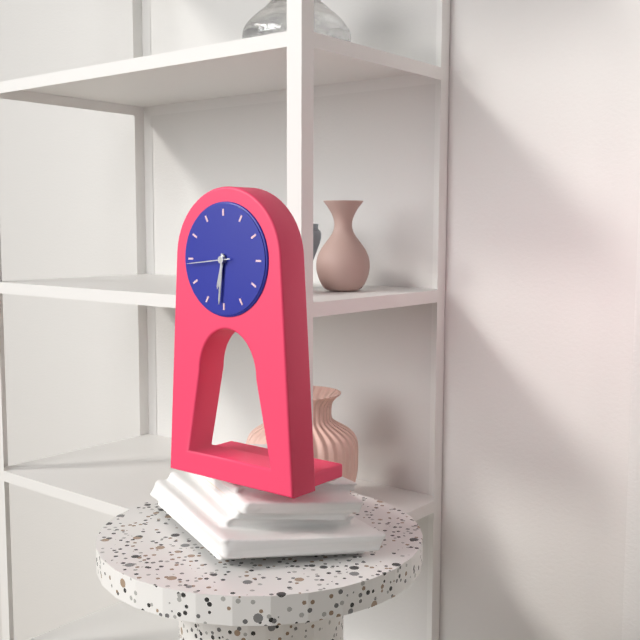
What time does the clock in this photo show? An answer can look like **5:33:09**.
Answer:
**6:31:44**
